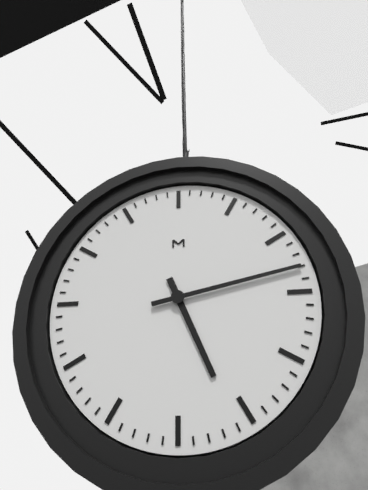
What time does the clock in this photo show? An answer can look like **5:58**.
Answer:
**5:13**
